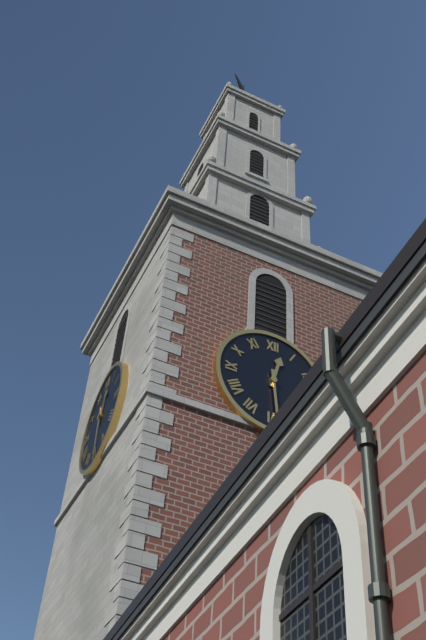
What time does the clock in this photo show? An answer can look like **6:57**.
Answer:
**12:29**
